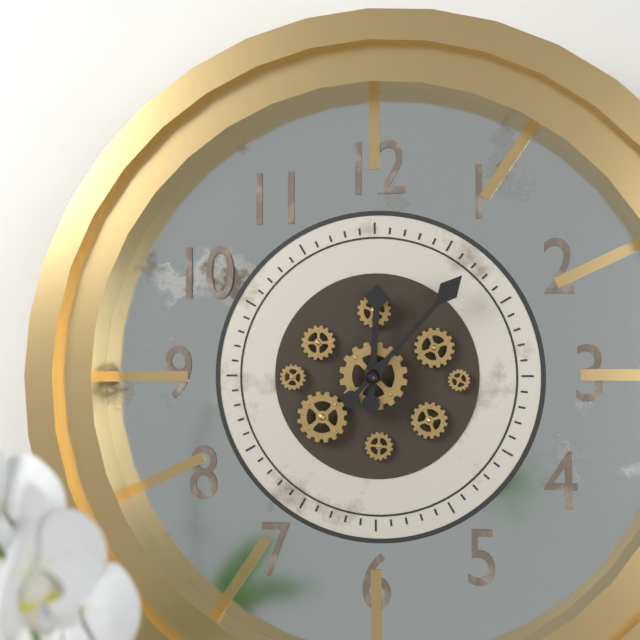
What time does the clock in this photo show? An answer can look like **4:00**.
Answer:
**12:07**
